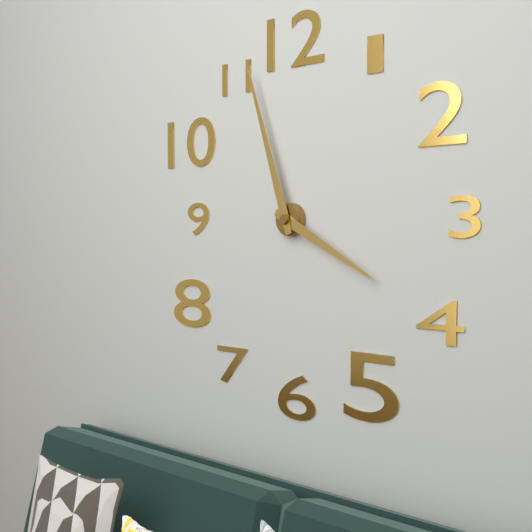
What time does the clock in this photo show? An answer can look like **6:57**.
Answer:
**3:57**
